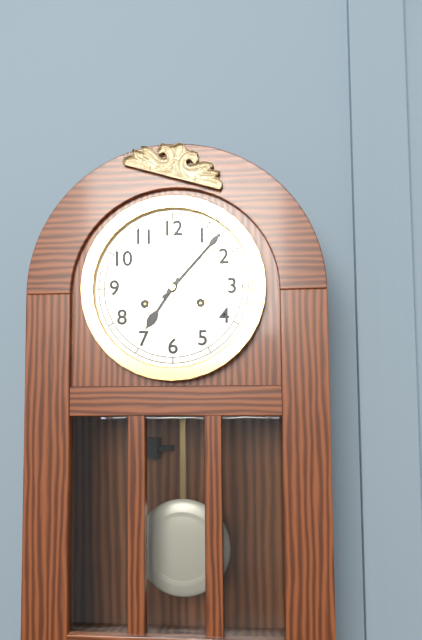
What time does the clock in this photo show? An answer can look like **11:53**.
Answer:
**7:07**
